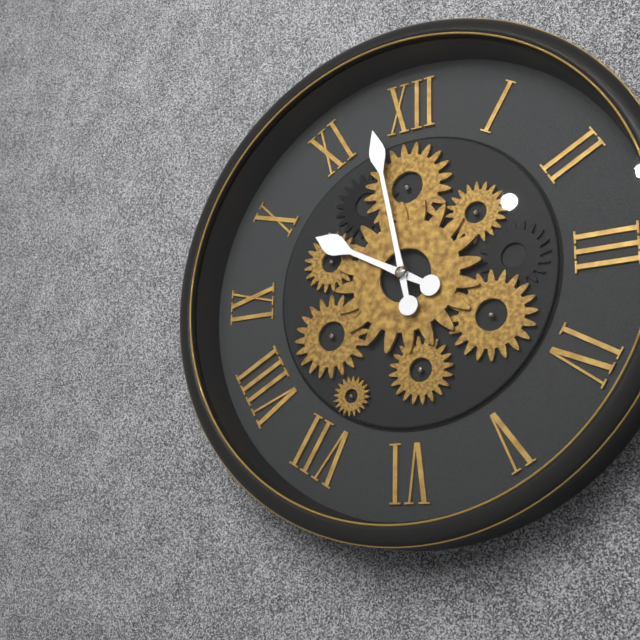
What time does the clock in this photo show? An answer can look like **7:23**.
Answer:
**9:58**
